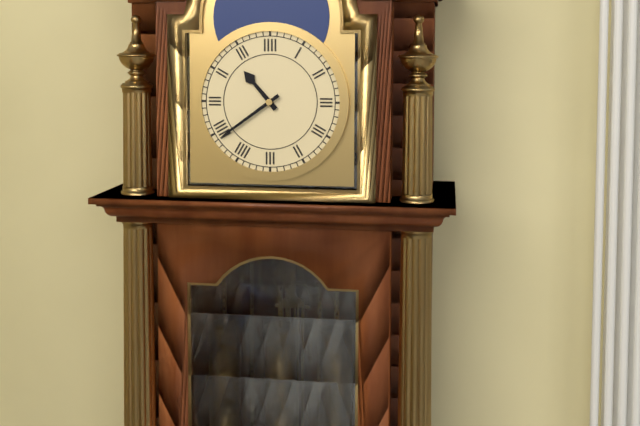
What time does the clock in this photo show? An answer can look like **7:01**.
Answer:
**10:39**
